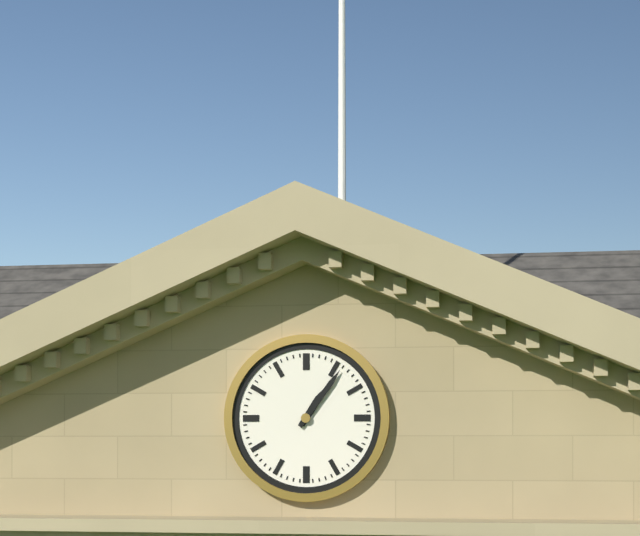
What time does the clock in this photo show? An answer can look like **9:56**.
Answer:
**1:06**
